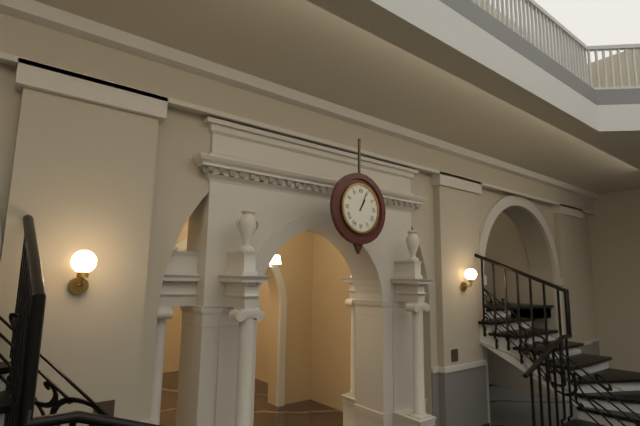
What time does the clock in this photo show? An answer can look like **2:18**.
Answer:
**1:04**
